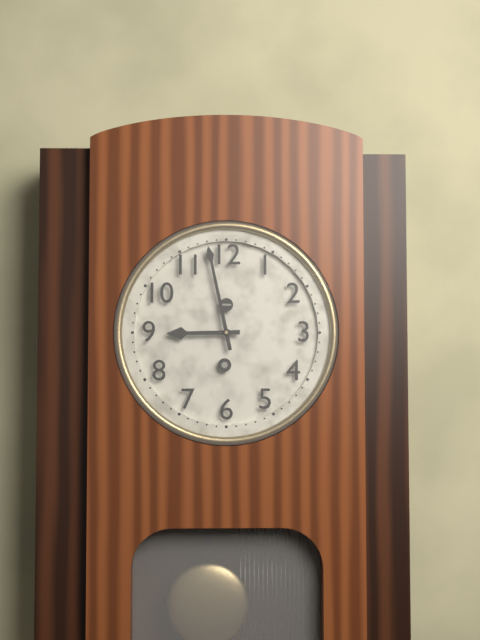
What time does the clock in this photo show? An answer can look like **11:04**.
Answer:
**8:58**
